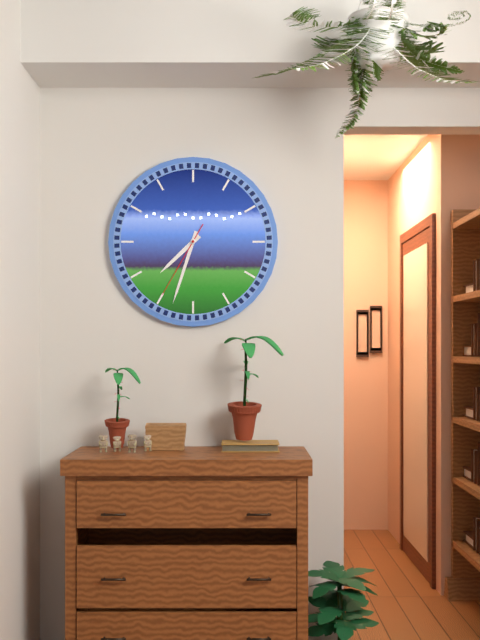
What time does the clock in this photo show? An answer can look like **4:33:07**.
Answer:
**7:33:35**
